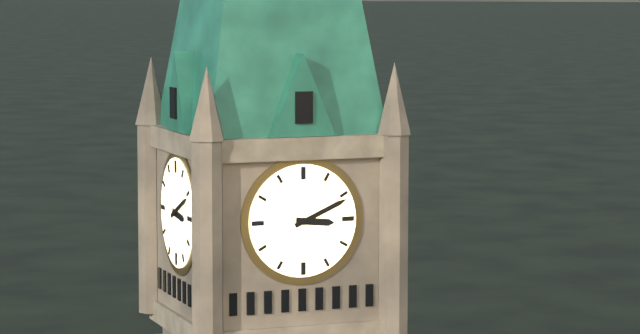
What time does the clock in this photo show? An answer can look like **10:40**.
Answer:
**3:11**
